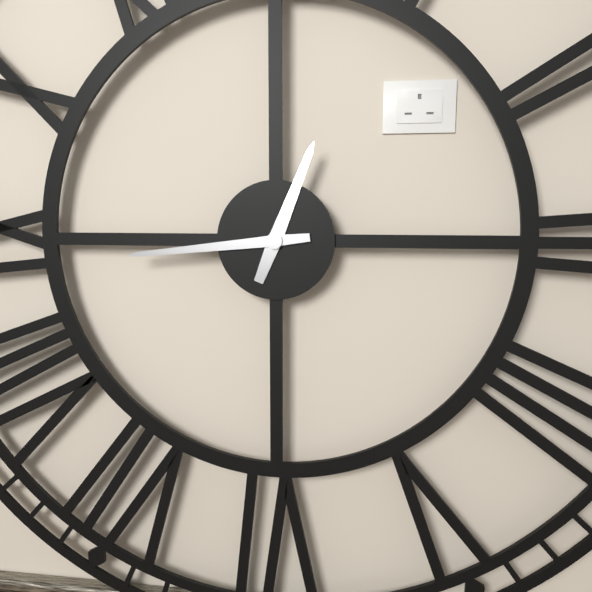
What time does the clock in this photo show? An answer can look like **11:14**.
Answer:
**12:44**
